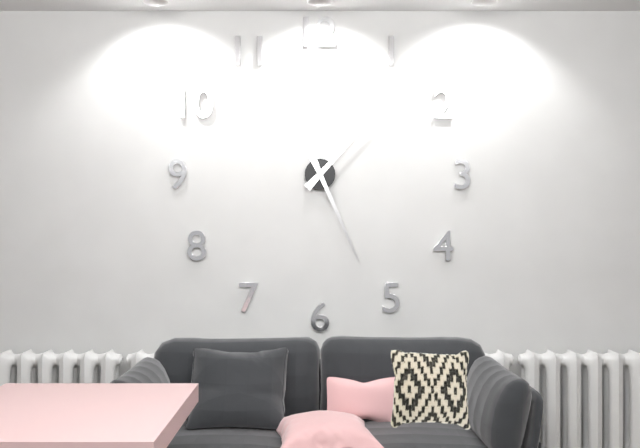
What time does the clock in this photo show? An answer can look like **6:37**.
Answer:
**1:26**
